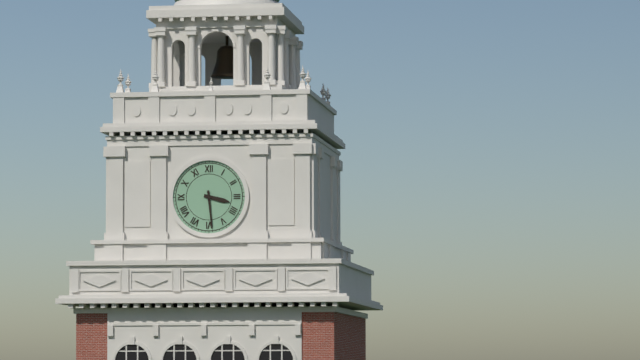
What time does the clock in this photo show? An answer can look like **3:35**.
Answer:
**3:29**
